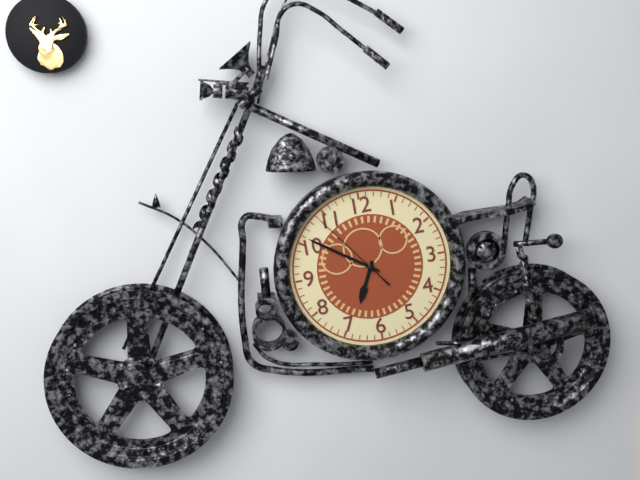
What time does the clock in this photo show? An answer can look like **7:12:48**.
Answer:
**6:51:54**
